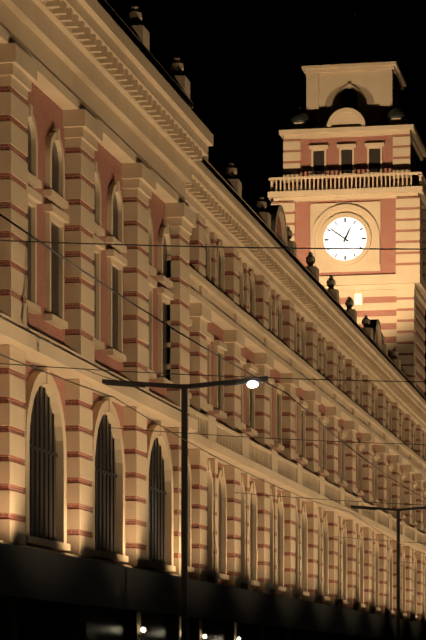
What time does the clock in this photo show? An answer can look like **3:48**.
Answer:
**12:51**
